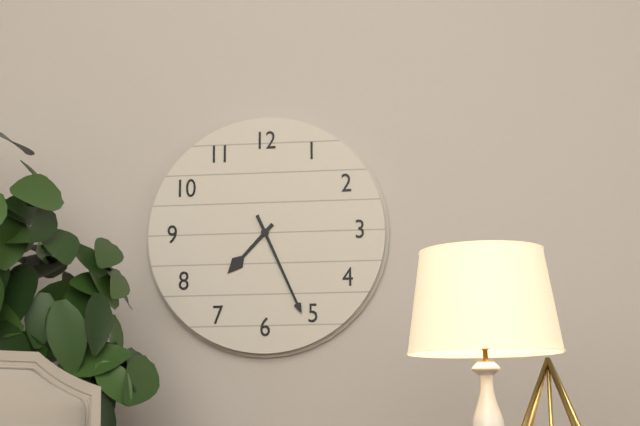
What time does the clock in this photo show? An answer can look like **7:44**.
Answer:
**7:26**
